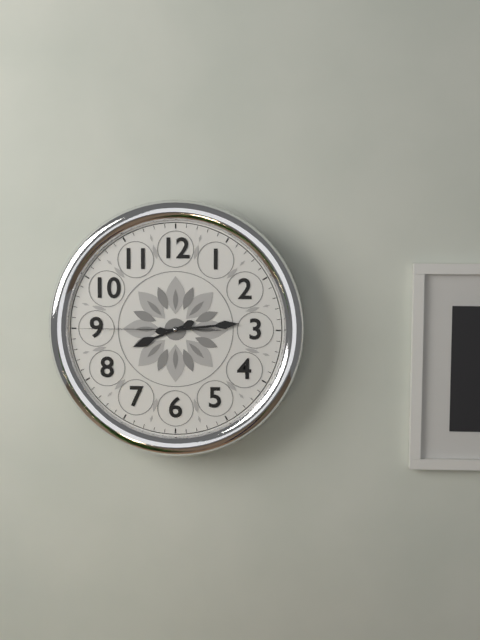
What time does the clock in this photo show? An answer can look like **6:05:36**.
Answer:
**8:14:45**
